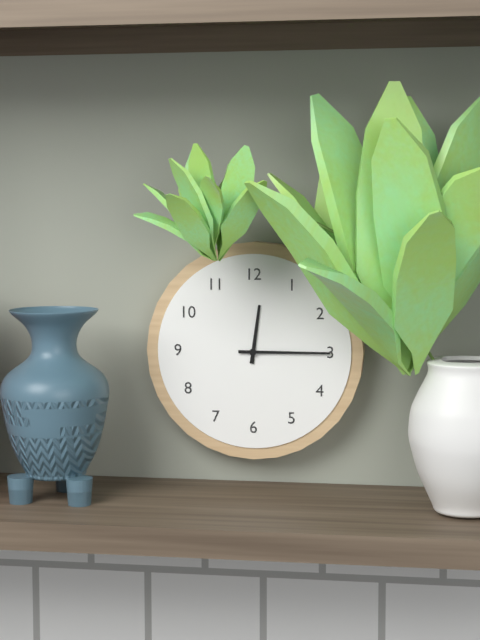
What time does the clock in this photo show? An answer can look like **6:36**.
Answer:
**12:15**
